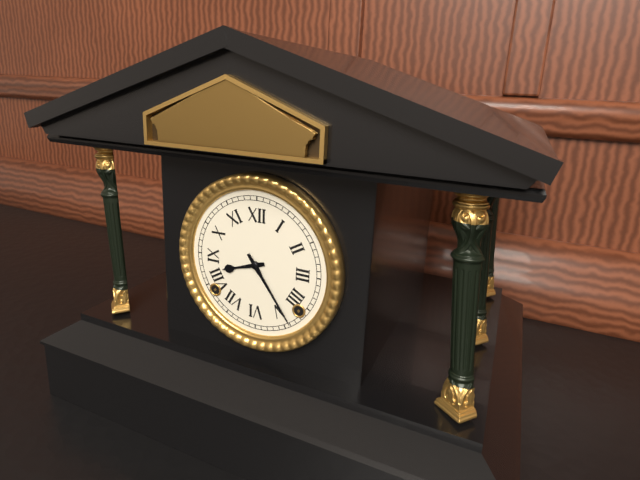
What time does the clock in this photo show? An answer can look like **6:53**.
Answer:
**8:24**
